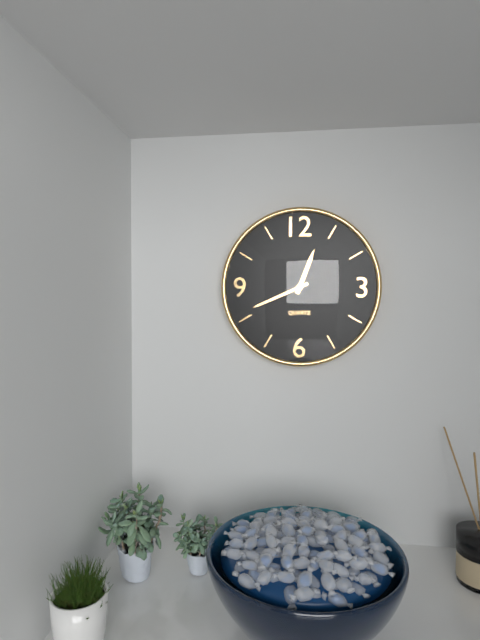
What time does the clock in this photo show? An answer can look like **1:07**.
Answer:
**12:41**
